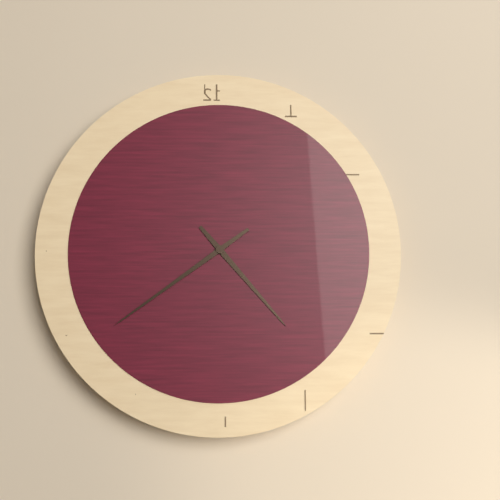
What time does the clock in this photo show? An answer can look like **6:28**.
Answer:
**4:39**
